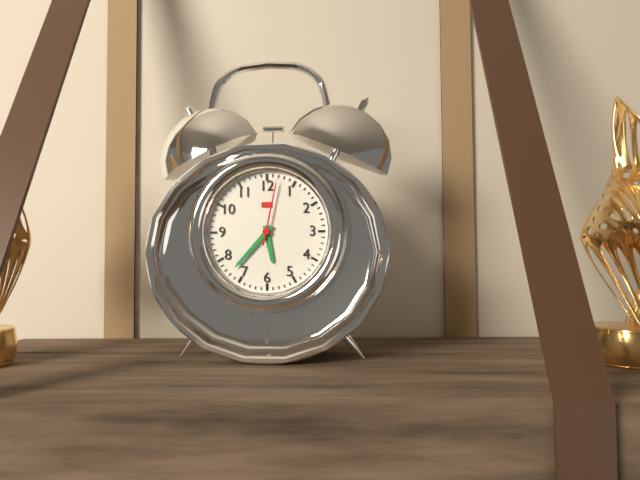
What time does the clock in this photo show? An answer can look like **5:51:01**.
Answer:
**5:37:02**
